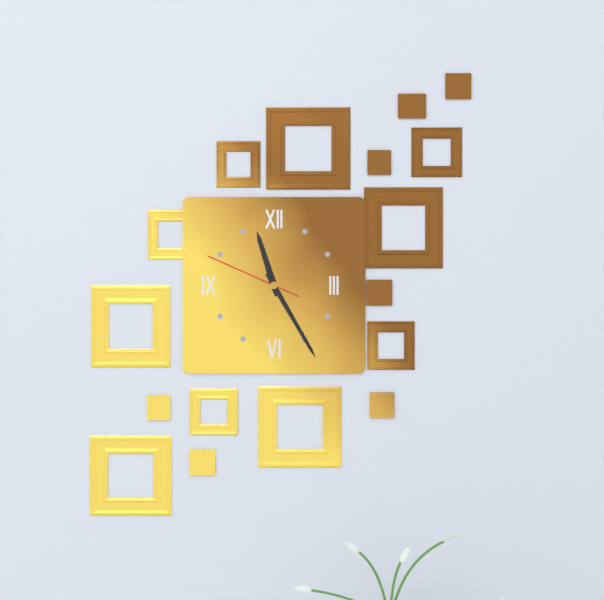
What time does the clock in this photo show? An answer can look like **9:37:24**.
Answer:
**11:25:49**
